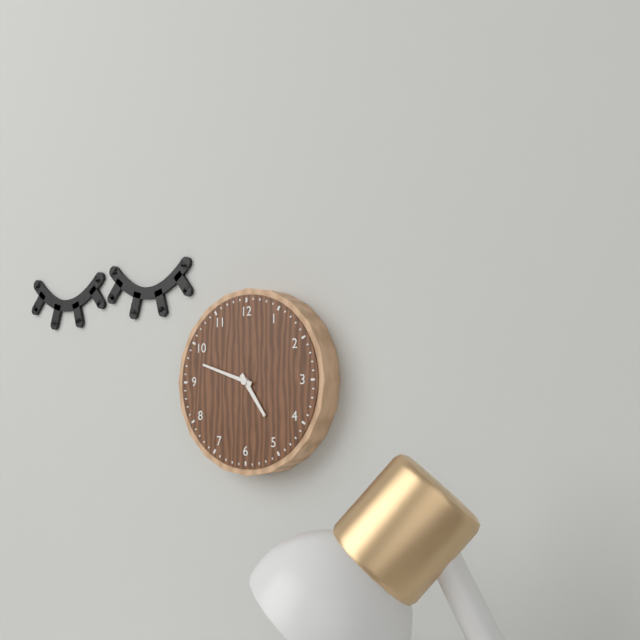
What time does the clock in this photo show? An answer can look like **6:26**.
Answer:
**4:48**
